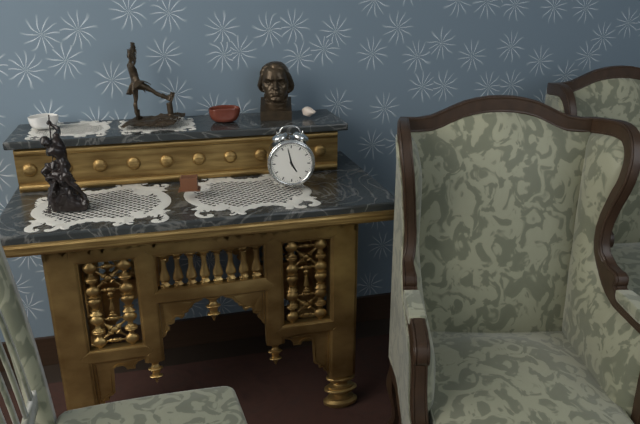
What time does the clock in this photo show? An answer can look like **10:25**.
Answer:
**4:58**
